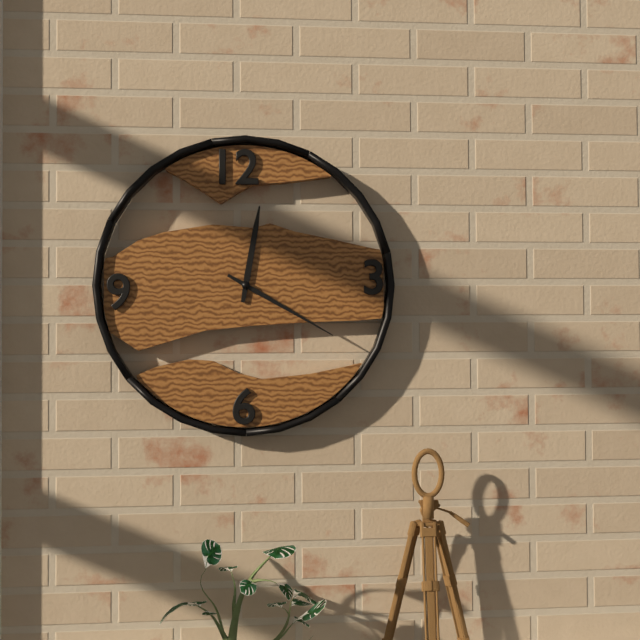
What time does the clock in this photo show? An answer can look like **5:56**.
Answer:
**12:20**
